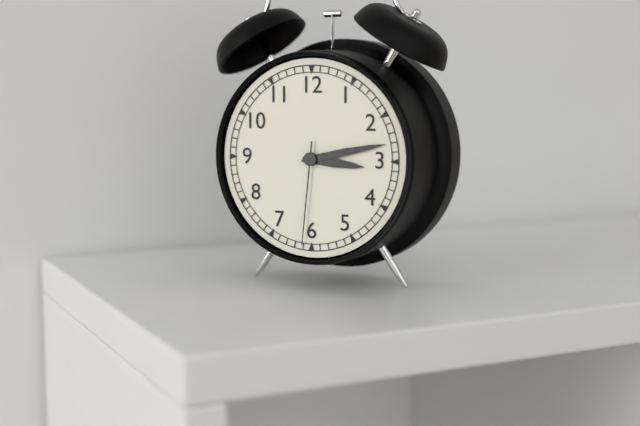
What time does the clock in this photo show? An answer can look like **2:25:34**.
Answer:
**3:13:31**
